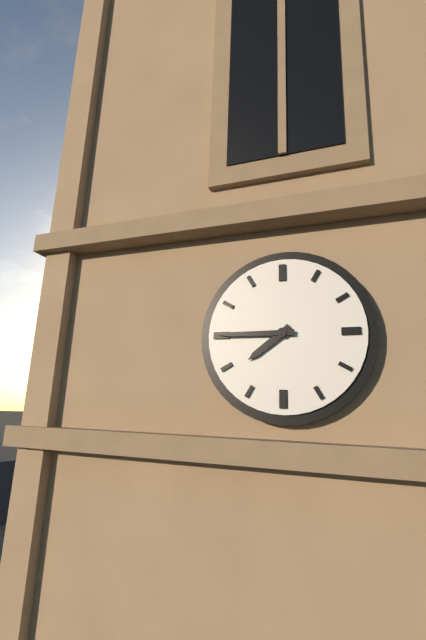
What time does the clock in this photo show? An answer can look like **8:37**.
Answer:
**7:45**
